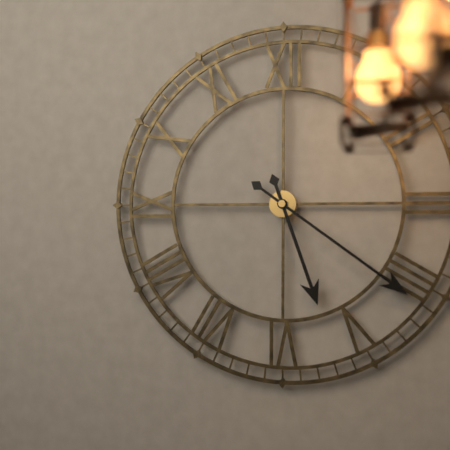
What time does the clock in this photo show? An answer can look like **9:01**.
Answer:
**5:21**
